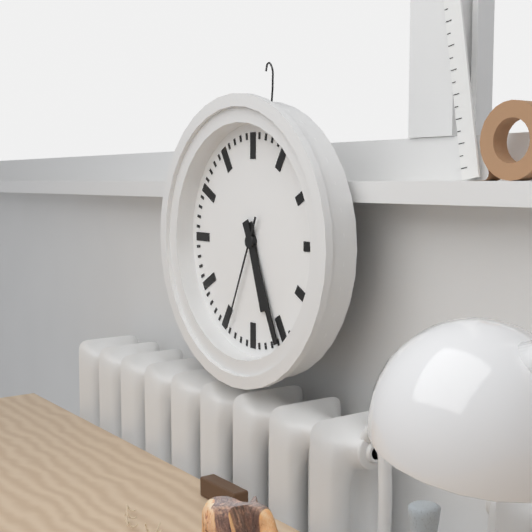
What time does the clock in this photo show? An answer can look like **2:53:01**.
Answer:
**5:26:34**
